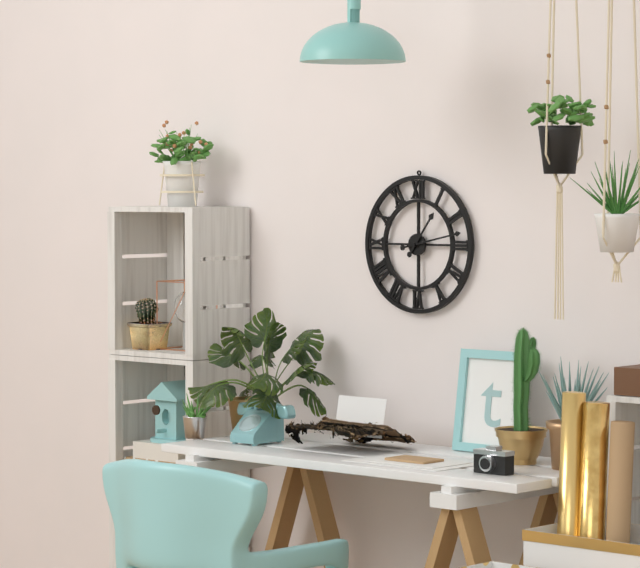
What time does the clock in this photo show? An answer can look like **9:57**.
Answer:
**1:13**
